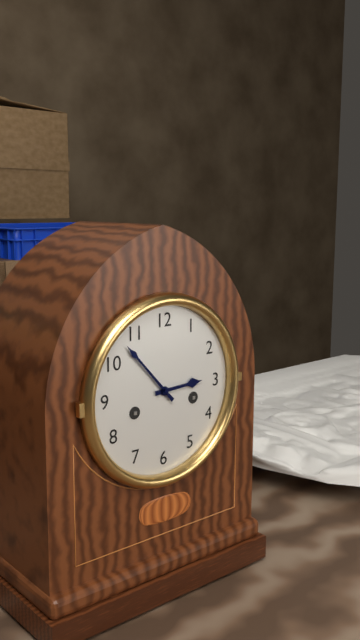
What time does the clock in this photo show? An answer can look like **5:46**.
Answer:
**2:53**
